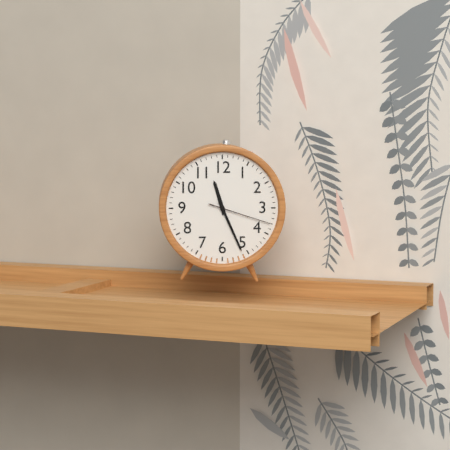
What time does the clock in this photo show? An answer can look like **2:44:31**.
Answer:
**11:26:18**
